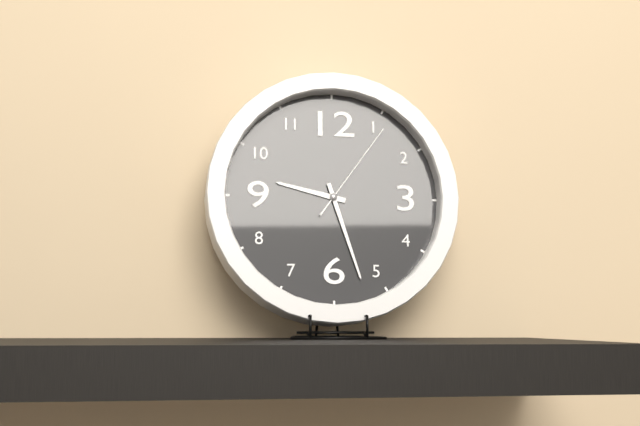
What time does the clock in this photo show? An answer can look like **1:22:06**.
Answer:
**9:27:06**
